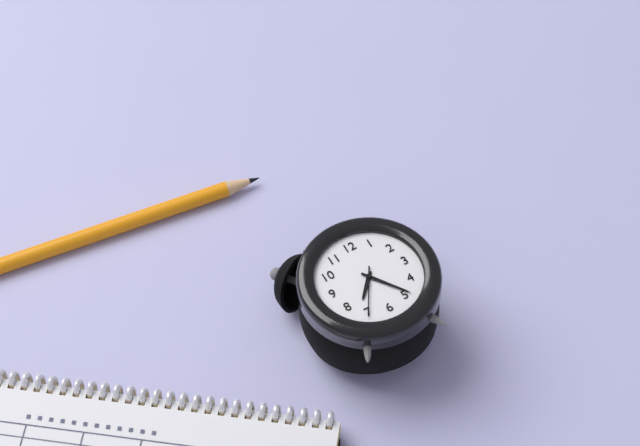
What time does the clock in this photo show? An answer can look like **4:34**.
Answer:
**7:24**
